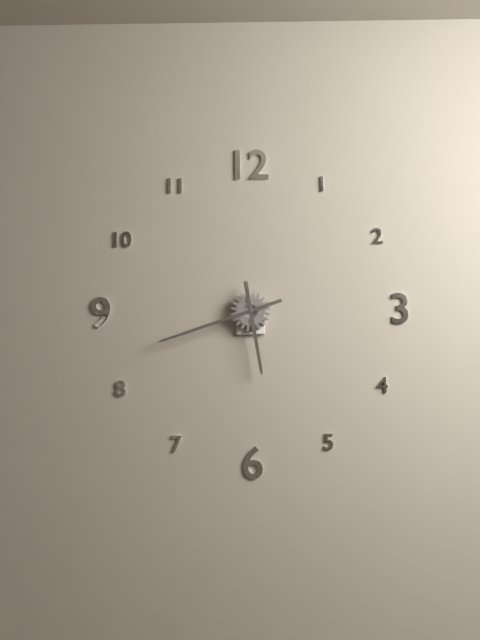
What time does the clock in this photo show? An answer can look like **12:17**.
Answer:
**5:42**
